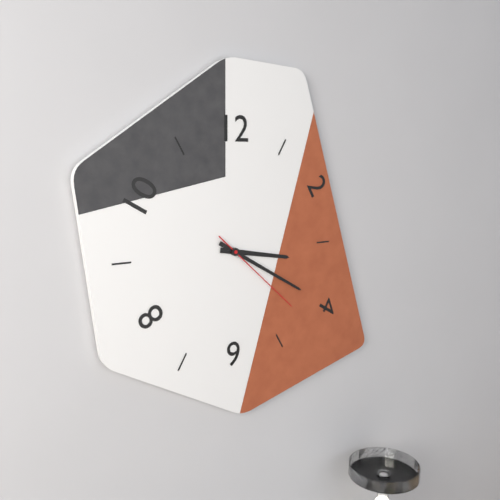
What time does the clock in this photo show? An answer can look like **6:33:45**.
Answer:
**3:20:22**
